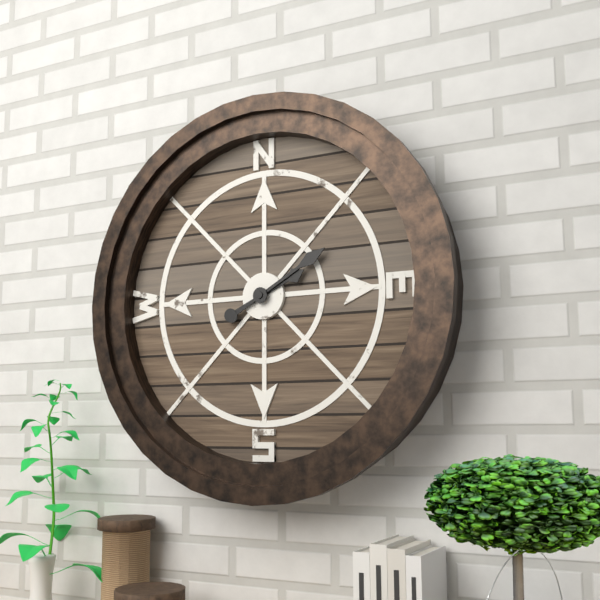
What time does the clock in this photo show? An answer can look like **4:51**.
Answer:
**2:10**
